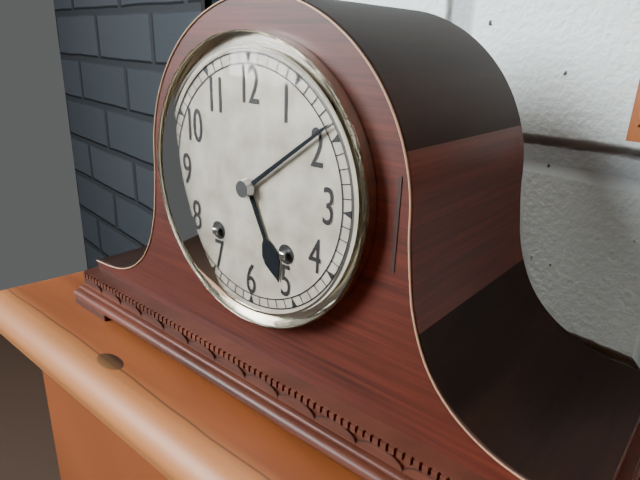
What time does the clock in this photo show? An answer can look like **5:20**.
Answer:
**5:09**
